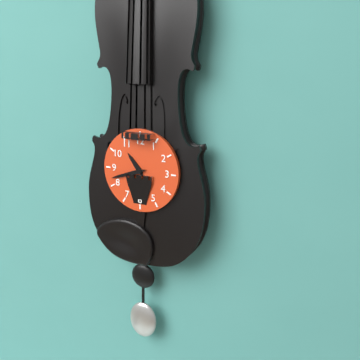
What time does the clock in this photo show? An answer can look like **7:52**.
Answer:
**10:42**
